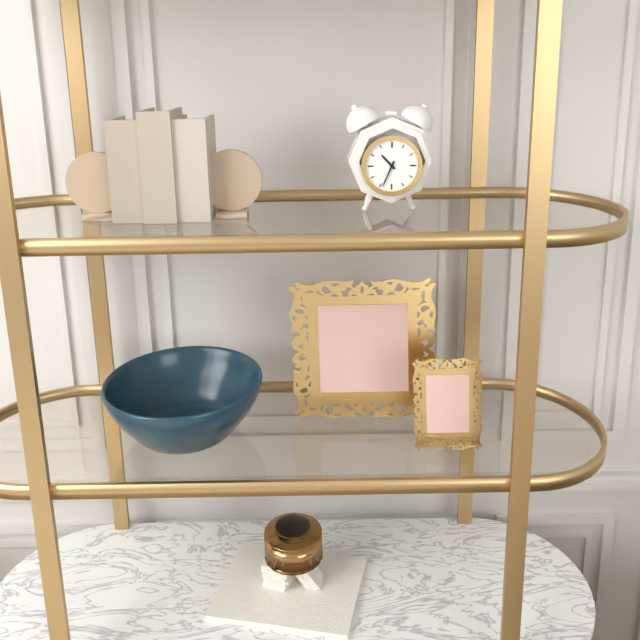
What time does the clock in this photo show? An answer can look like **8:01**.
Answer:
**10:34**
